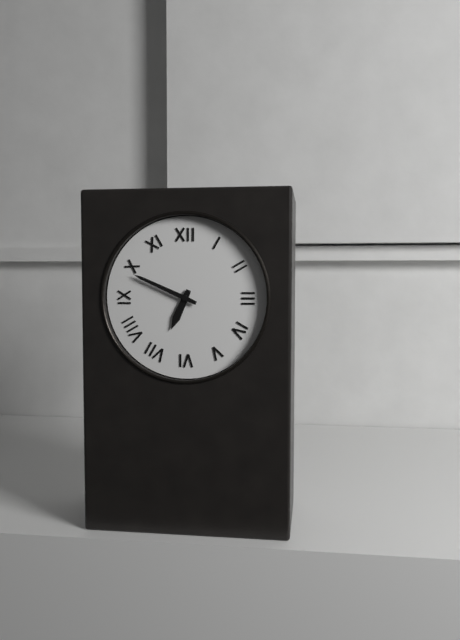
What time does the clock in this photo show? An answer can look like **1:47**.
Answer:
**6:49**
